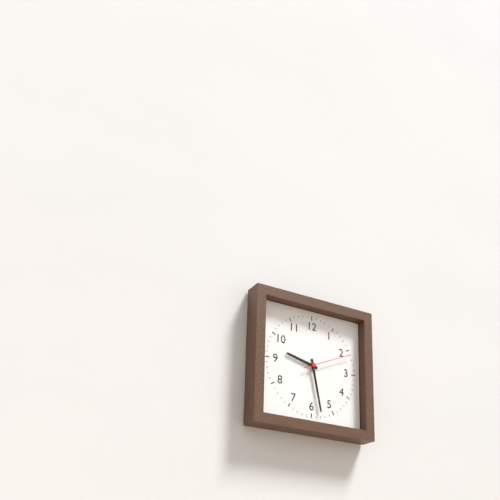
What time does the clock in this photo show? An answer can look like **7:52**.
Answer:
**9:28**
